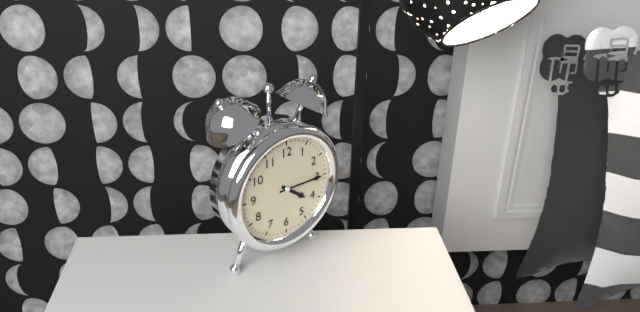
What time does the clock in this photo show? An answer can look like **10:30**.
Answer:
**4:15**
